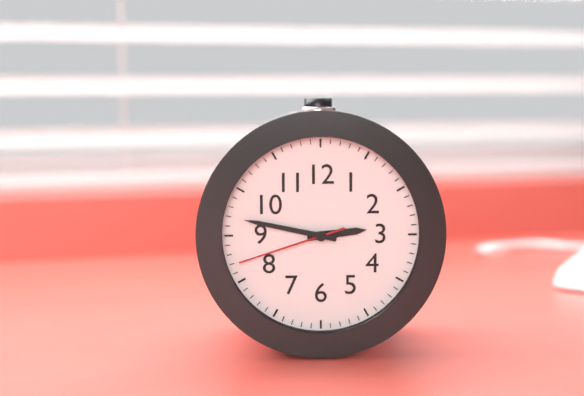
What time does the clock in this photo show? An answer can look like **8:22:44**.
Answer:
**2:47:42**
